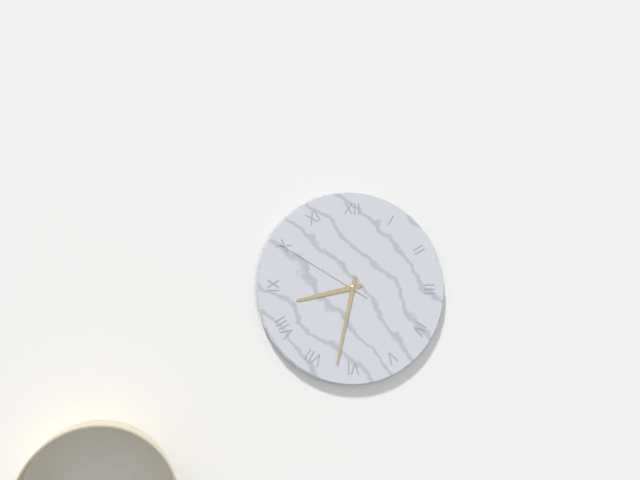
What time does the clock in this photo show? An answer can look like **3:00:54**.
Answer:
**8:32:50**
